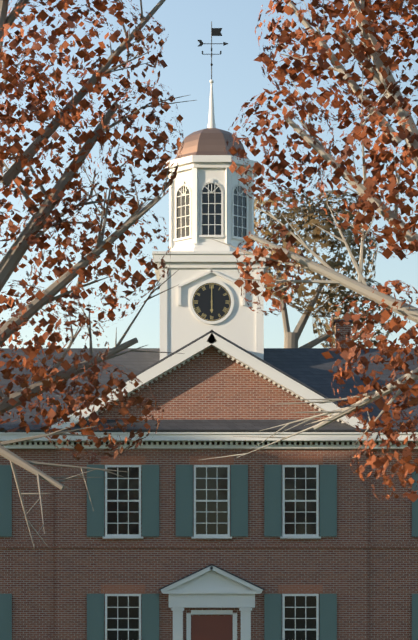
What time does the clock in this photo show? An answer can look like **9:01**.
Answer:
**6:00**
